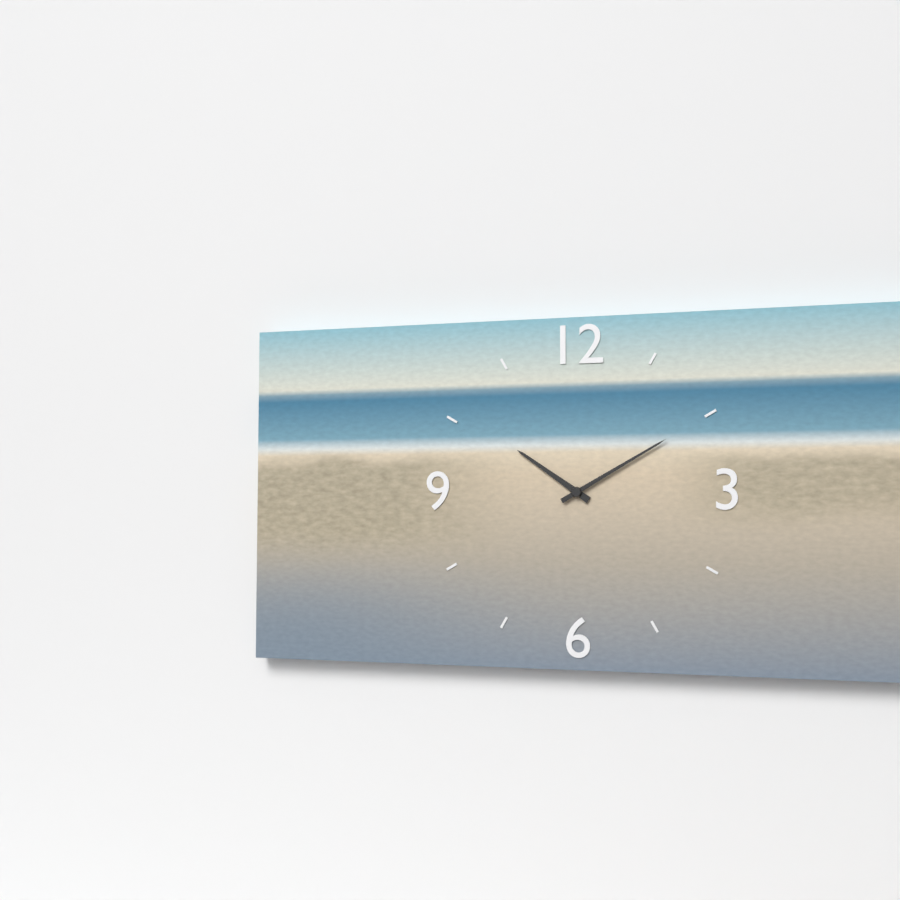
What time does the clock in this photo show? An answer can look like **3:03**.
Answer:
**10:10**
